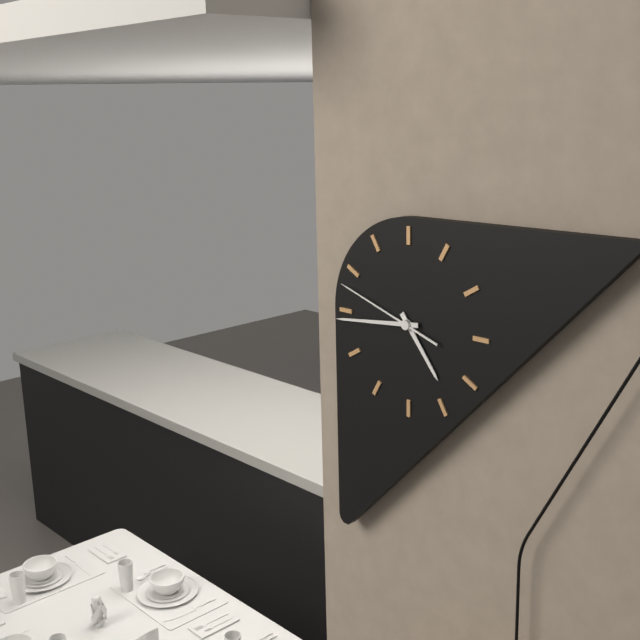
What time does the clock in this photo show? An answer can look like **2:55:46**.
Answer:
**4:44:48**
